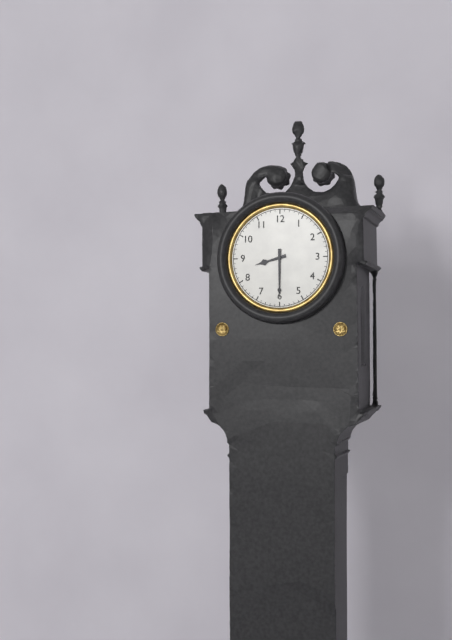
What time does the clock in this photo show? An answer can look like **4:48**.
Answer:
**8:30**
